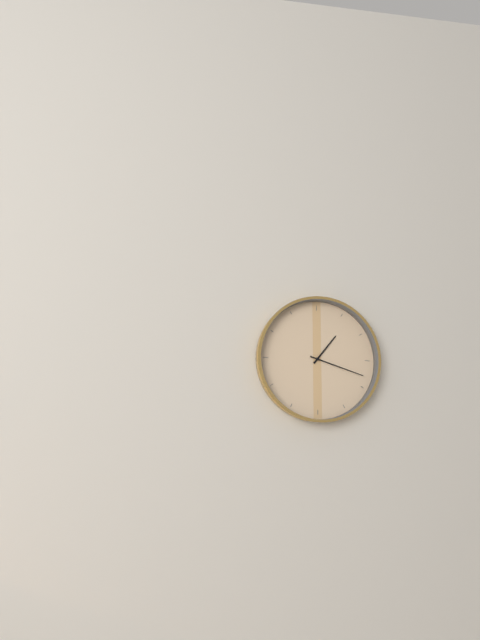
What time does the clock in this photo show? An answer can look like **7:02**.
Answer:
**1:18**
